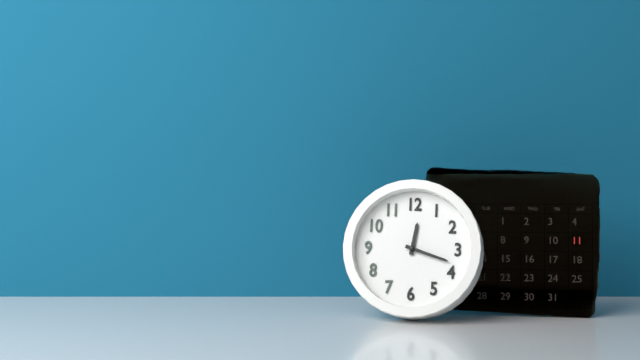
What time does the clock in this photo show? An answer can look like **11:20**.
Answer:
**12:18**
